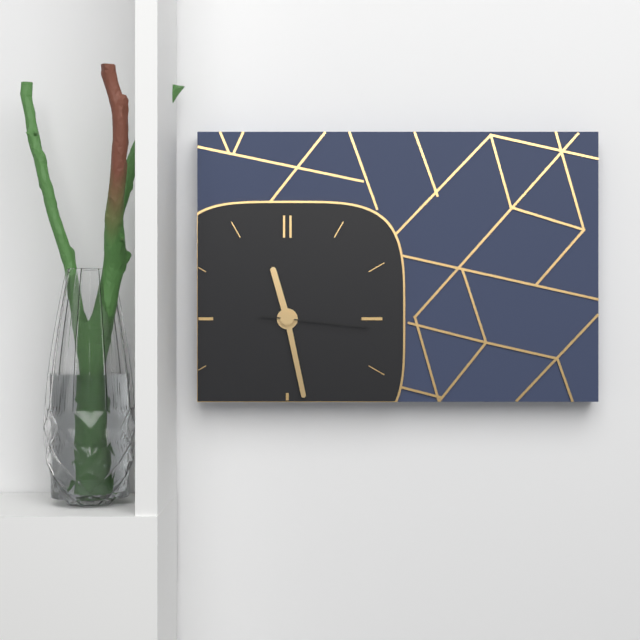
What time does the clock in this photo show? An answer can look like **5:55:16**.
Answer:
**11:28:16**
